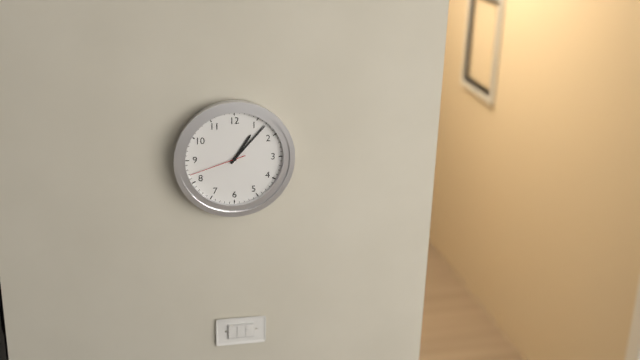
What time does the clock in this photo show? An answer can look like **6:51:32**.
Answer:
**1:07:42**
